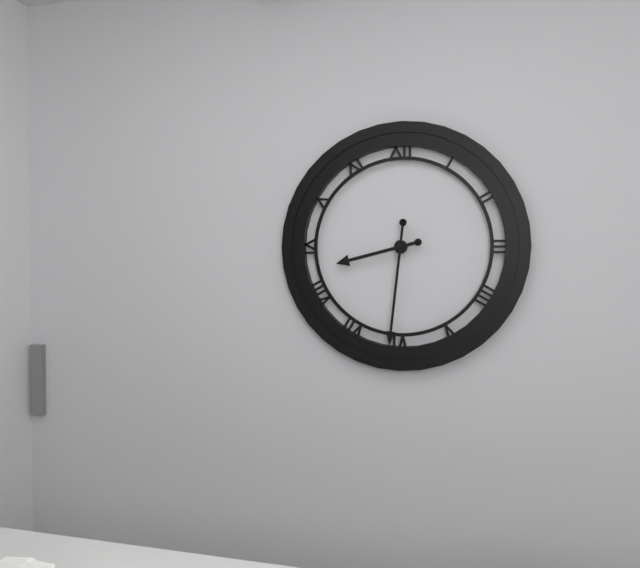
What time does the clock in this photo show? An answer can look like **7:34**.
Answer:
**8:31**
